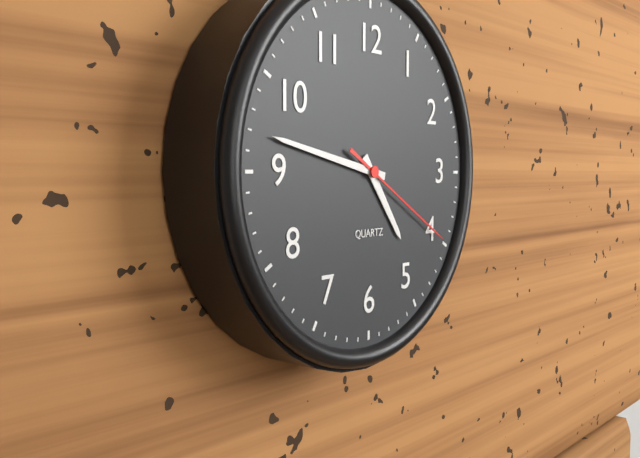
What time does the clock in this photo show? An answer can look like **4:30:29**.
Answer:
**4:47:20**
